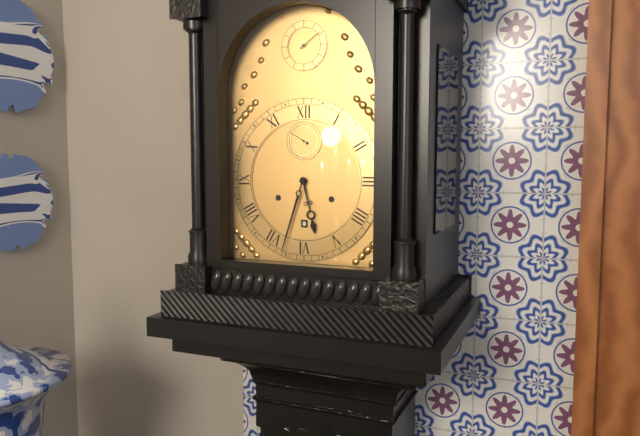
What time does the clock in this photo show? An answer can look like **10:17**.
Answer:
**5:33**
